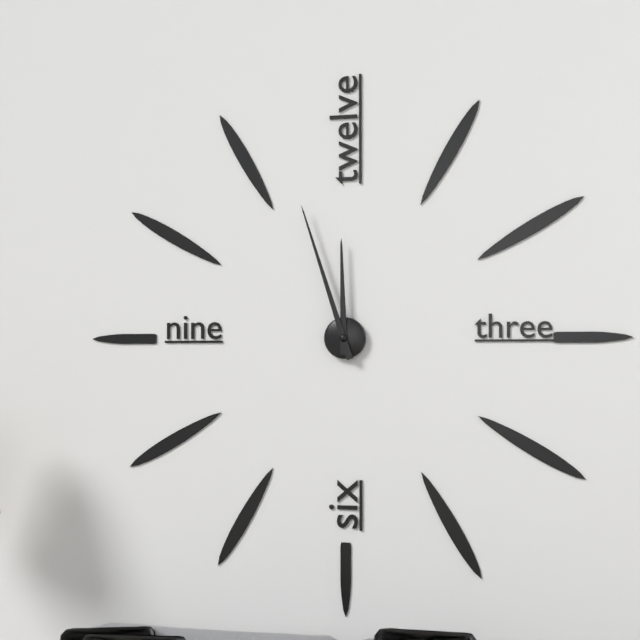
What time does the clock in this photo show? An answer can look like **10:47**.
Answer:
**11:57**
